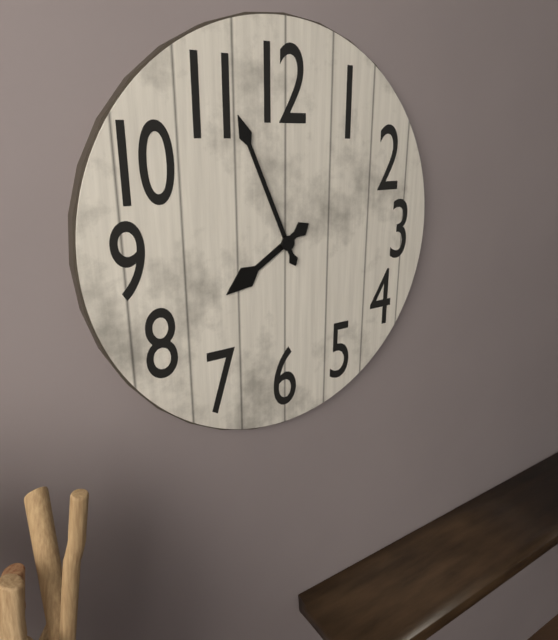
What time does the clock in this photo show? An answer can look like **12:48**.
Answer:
**7:56**
